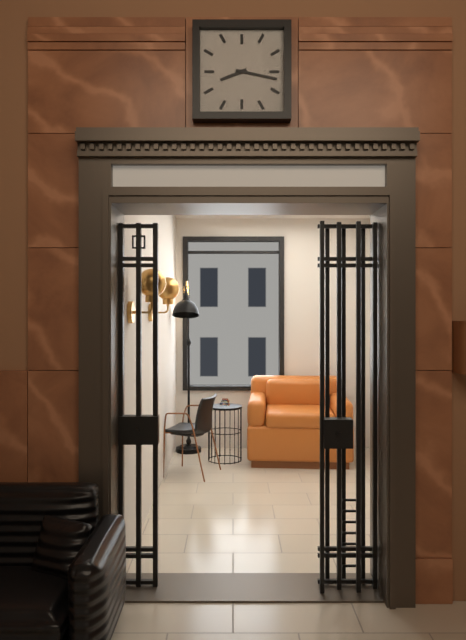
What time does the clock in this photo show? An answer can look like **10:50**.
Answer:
**8:17**
